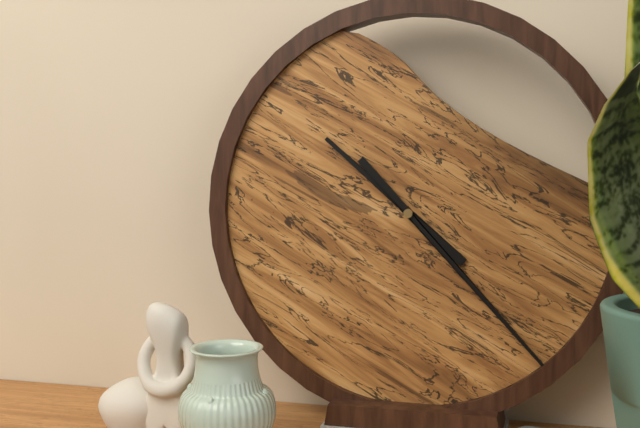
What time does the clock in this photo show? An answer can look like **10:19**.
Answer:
**10:23**
